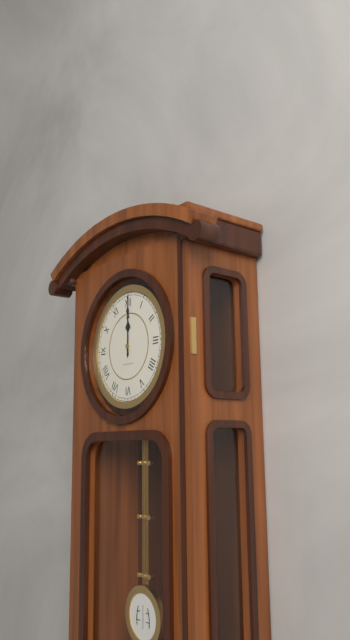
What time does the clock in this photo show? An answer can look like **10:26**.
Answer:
**12:00**
